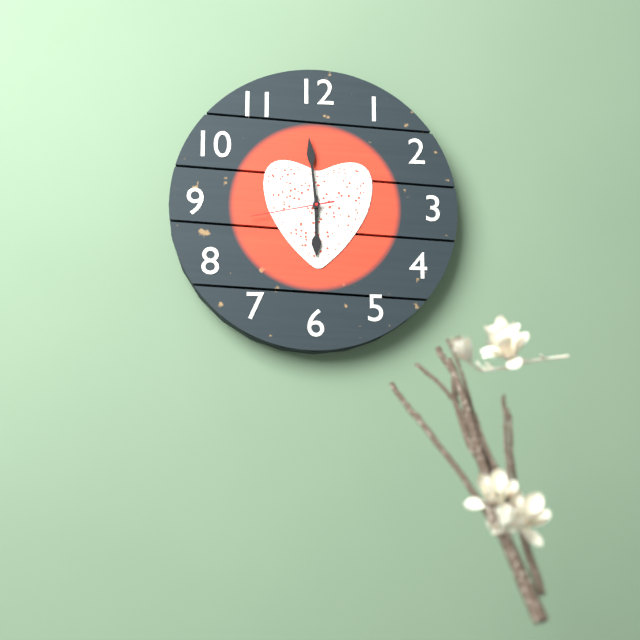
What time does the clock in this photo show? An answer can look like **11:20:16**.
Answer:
**5:59:43**
